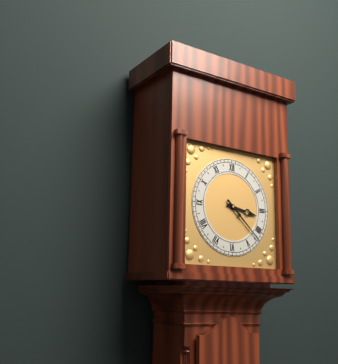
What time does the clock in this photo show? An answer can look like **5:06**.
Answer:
**3:22**
